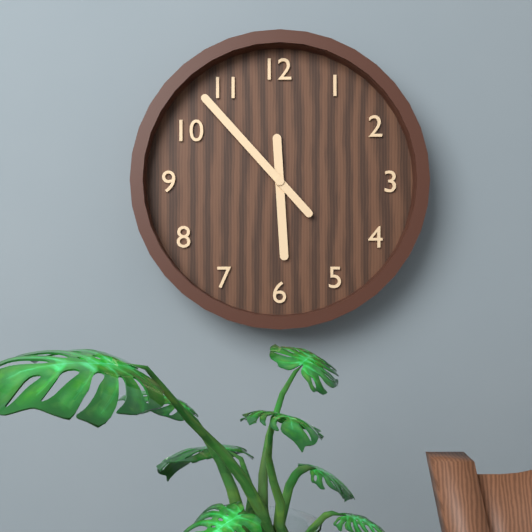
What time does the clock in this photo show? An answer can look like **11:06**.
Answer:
**5:53**
